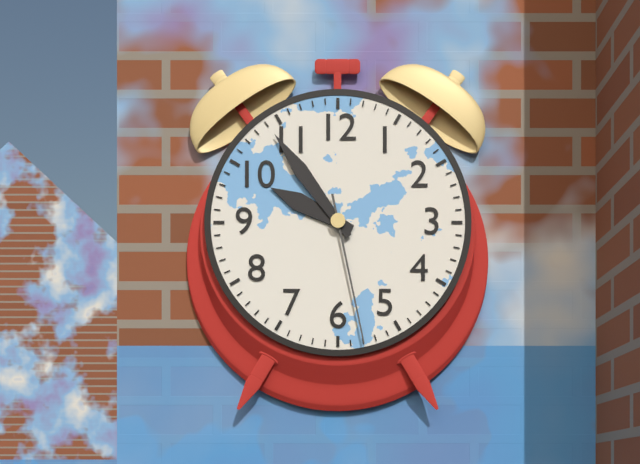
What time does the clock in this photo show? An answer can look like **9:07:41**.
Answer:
**9:54:28**
